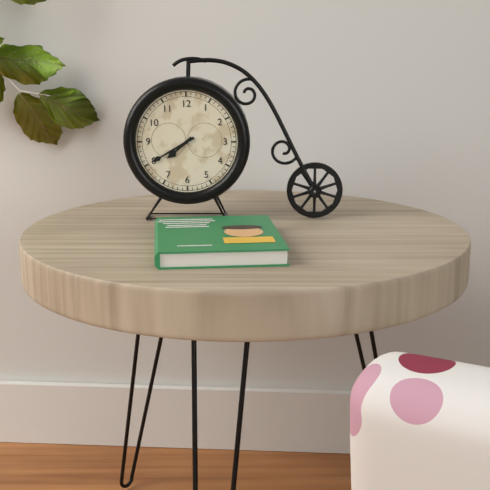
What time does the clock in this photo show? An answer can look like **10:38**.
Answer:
**7:40**
